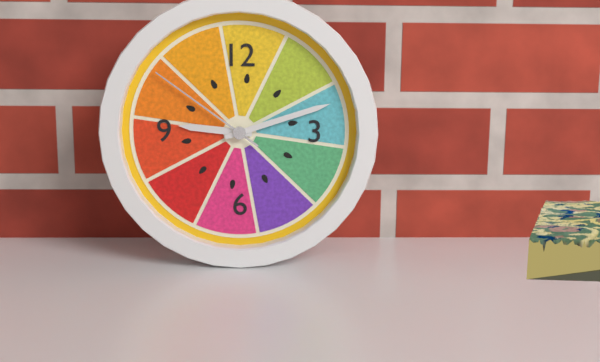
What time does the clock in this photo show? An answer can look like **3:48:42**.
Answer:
**9:12:51**
